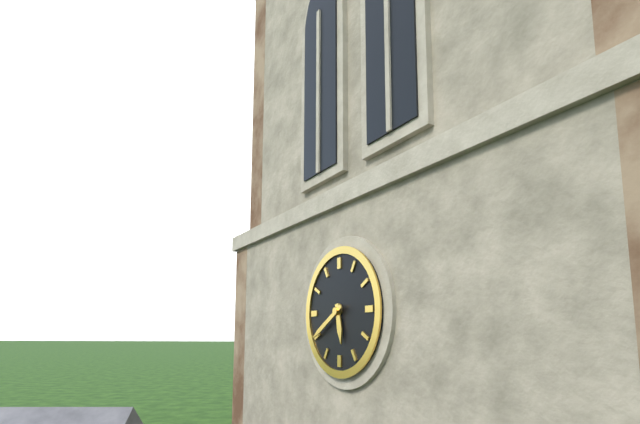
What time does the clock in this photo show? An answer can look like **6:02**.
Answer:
**5:40**
